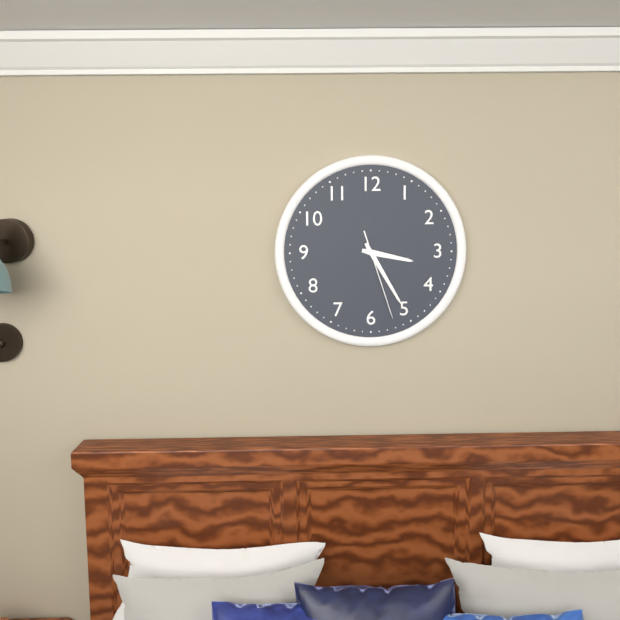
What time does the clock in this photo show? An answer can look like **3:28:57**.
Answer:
**3:25:27**
